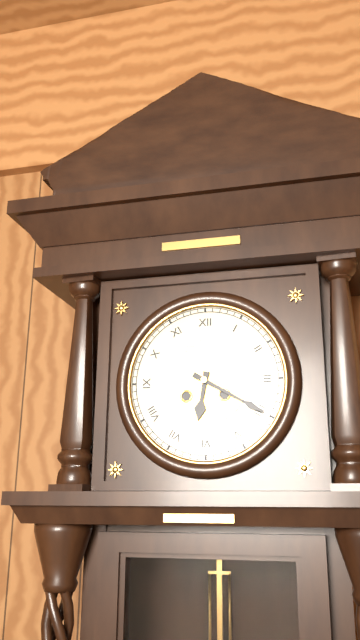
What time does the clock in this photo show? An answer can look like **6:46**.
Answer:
**6:20**
